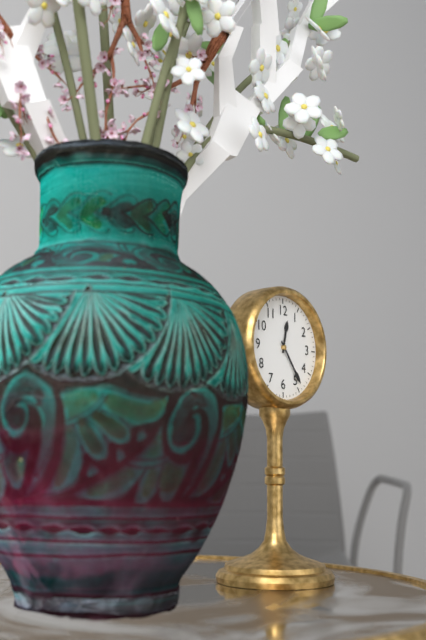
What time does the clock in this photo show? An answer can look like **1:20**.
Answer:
**12:24**
